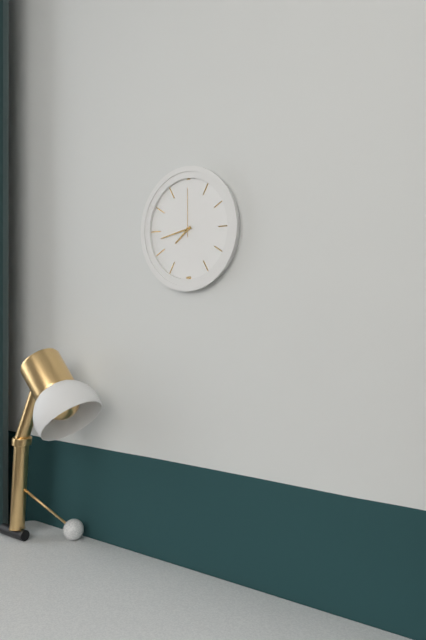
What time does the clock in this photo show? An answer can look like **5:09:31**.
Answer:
**7:43:00**
